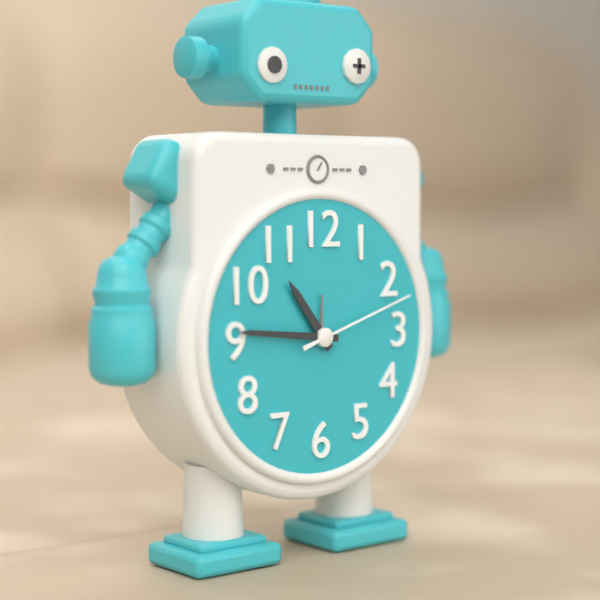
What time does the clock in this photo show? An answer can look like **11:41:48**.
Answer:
**10:46:12**
